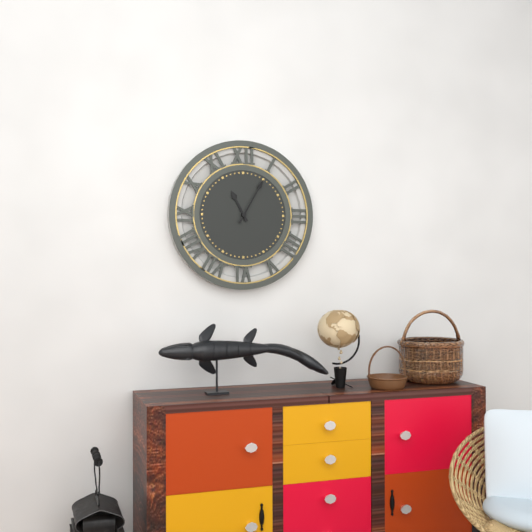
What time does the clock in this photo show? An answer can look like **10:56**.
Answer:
**11:05**
